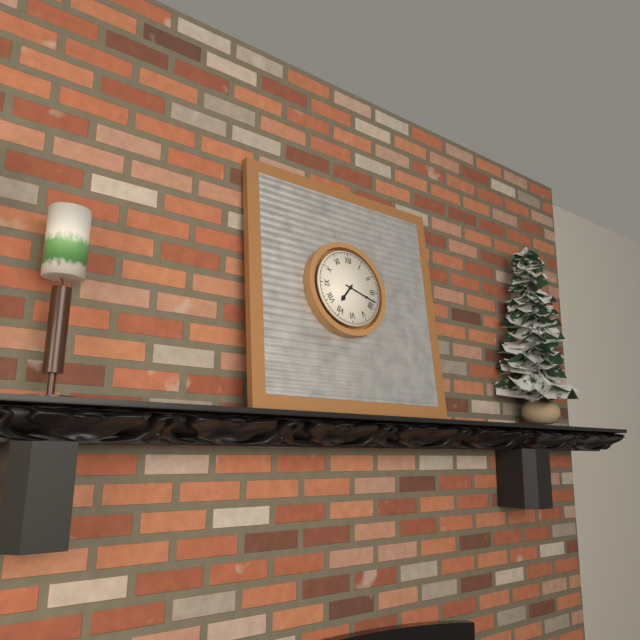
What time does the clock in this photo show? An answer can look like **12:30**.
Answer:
**7:18**
